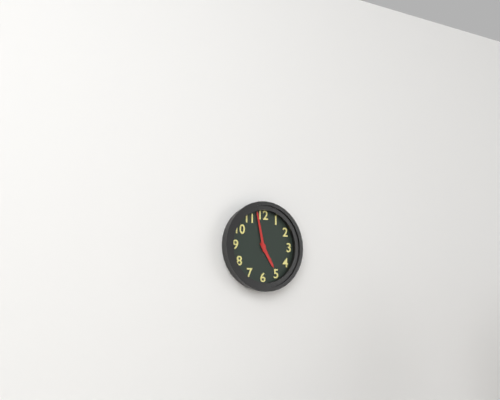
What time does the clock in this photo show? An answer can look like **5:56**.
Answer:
**4:58**
